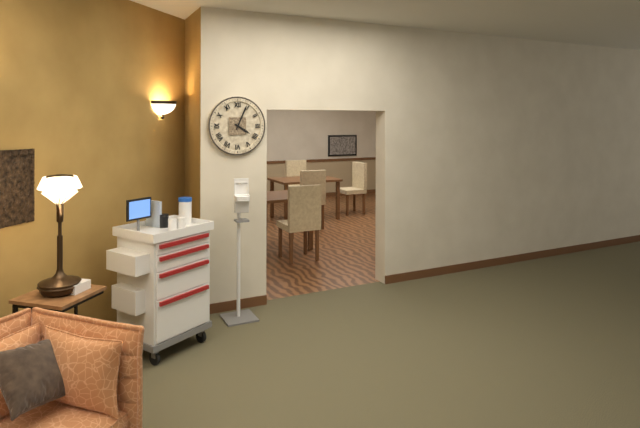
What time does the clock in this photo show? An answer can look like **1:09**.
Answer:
**4:04**
